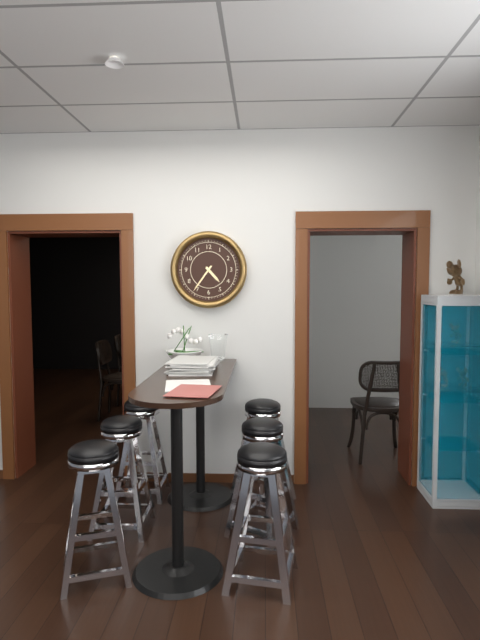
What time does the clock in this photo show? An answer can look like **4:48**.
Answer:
**4:36**
